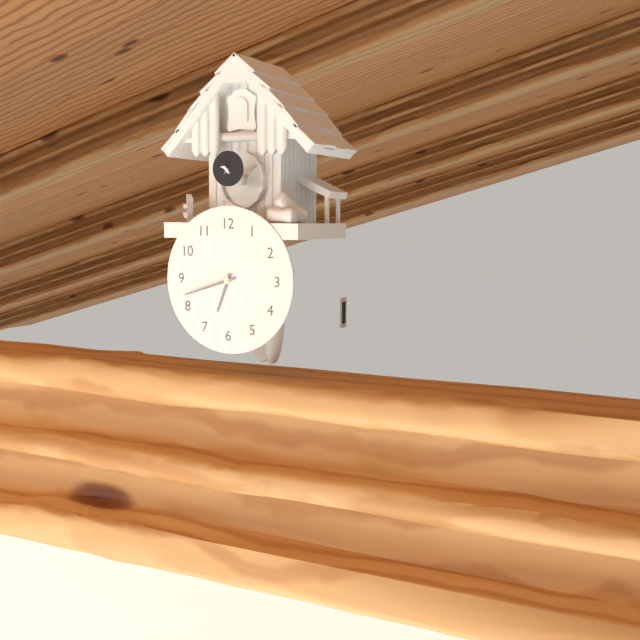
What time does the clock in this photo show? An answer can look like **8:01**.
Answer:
**6:42**
